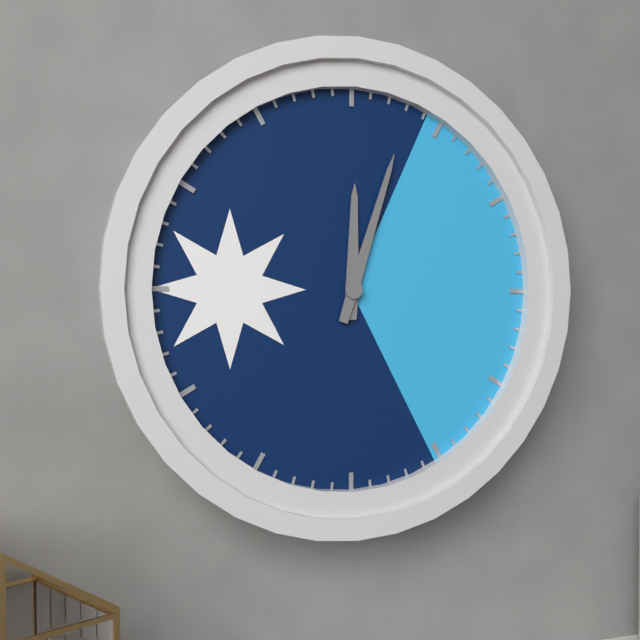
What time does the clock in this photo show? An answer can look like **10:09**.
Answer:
**12:03**
